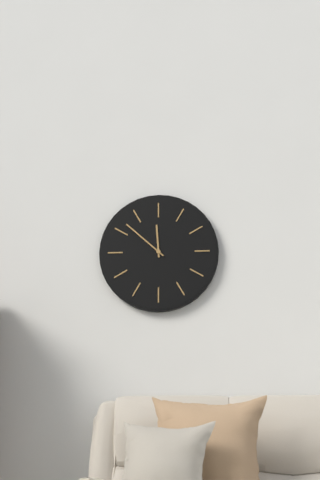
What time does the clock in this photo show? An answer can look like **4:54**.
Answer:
**11:52**
